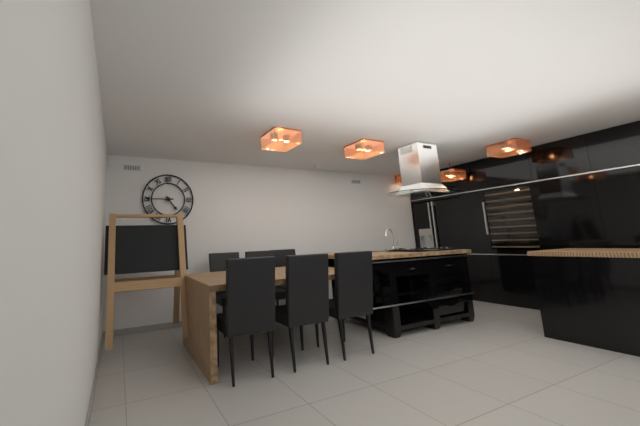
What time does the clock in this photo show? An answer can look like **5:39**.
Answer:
**4:45**
